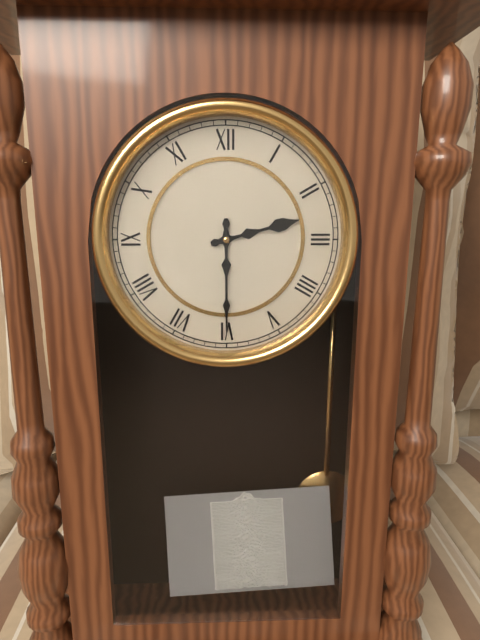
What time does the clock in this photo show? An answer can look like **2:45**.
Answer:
**2:30**
